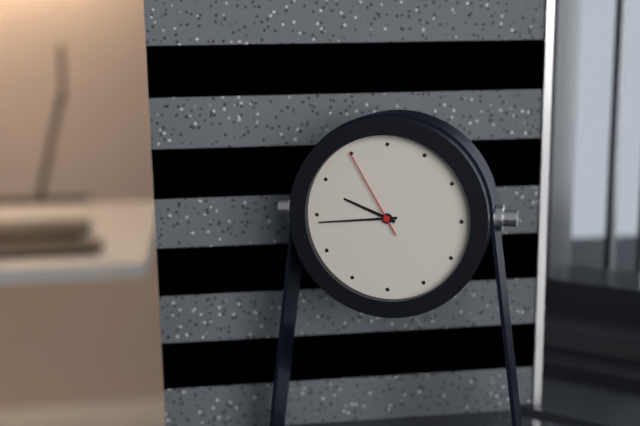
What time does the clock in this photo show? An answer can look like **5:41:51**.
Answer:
**9:44:55**
